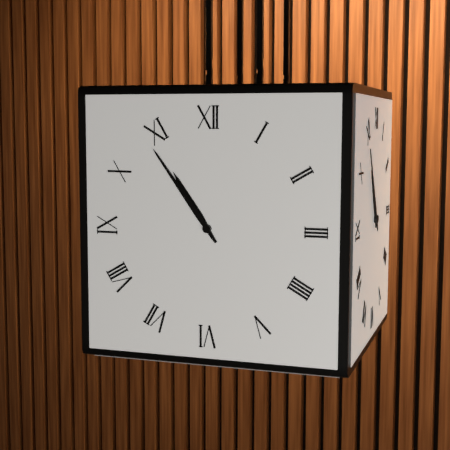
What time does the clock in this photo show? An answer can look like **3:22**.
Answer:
**10:54**
